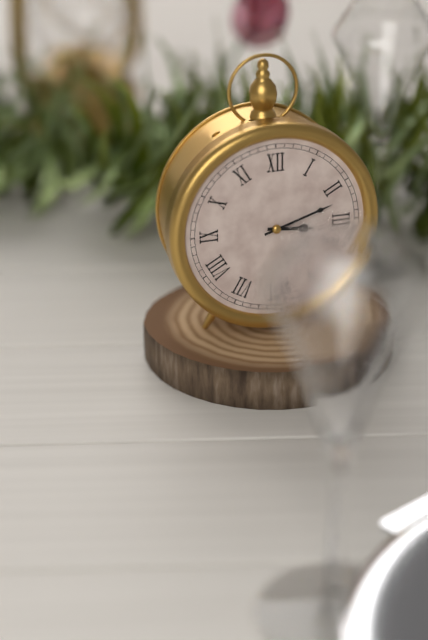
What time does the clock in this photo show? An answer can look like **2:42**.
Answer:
**3:12**
